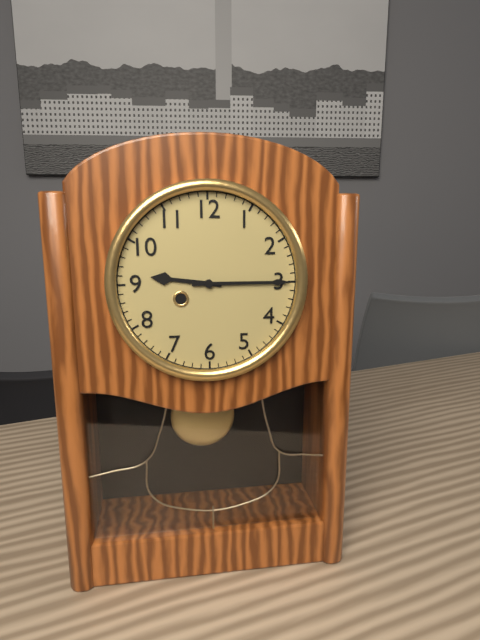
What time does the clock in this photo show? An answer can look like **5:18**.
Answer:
**9:15**
